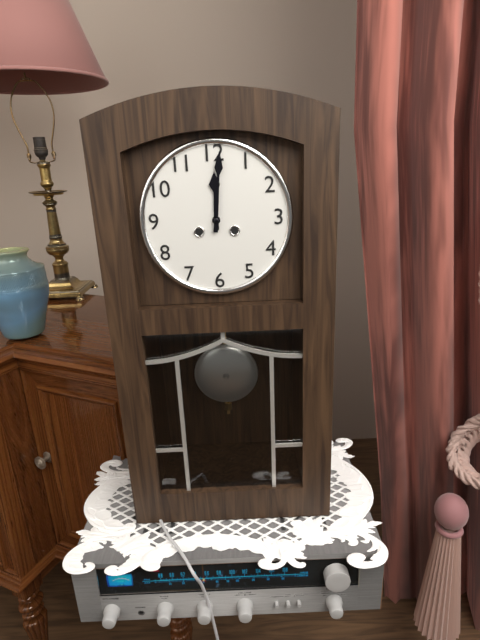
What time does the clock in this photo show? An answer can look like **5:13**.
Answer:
**12:01**
